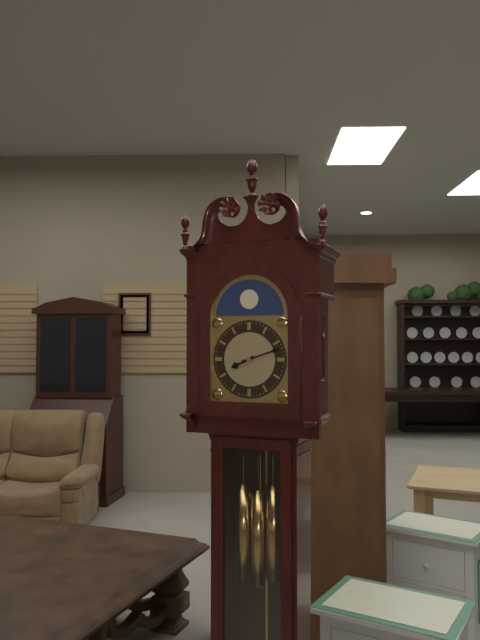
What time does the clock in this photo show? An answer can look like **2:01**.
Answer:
**8:12**
